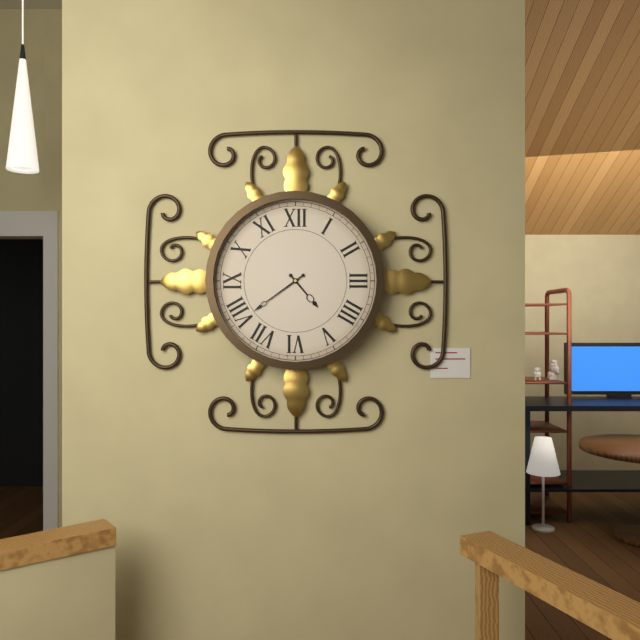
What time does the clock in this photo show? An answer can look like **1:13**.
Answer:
**4:39**
